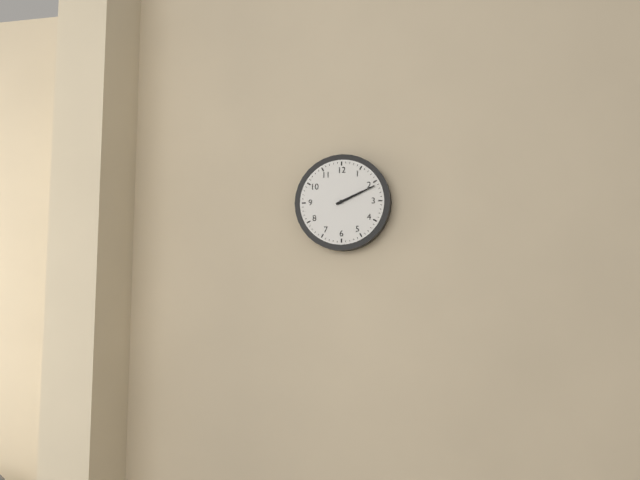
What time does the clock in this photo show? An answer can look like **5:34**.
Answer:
**2:11**
